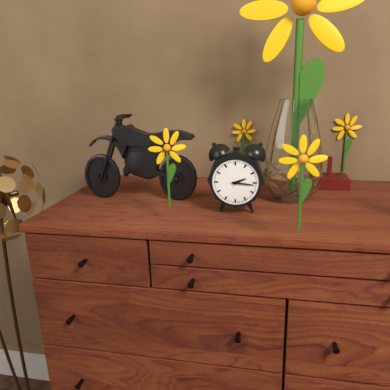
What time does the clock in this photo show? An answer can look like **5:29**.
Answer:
**2:16**
